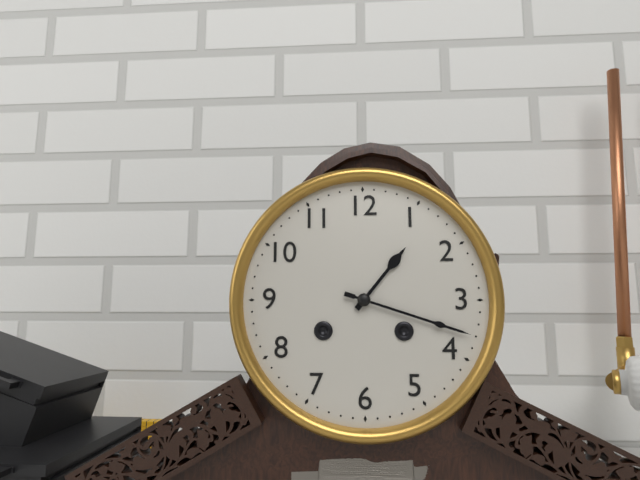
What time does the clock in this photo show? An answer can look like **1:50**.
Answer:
**1:18**
